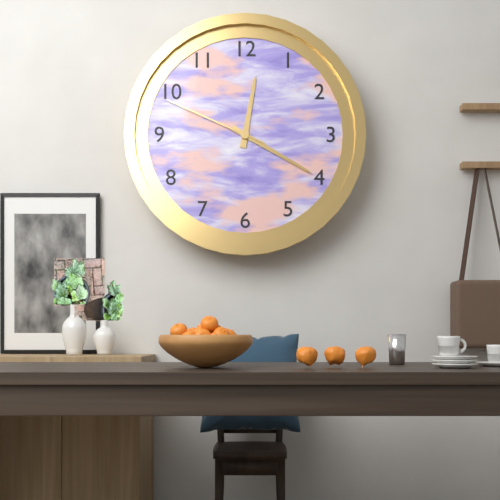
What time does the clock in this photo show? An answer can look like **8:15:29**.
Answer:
**12:20:49**
